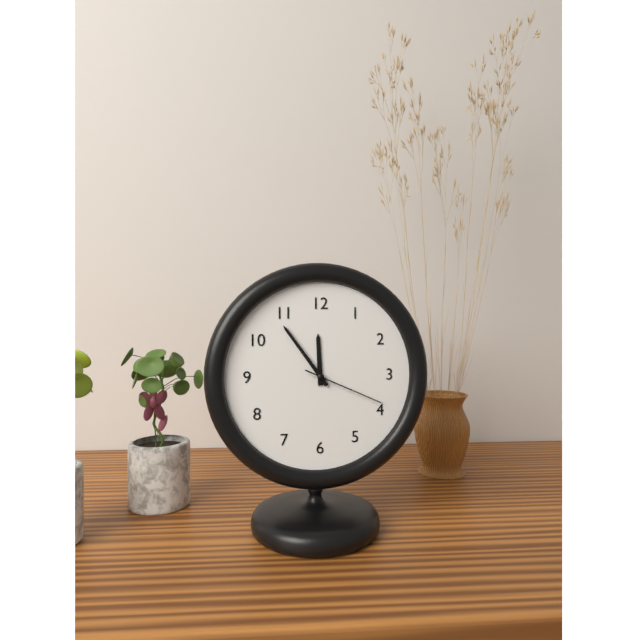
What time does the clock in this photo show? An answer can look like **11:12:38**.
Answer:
**11:54:19**
